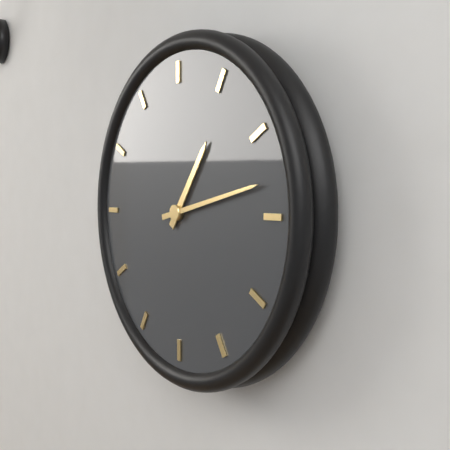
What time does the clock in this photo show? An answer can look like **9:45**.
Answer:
**1:13**
